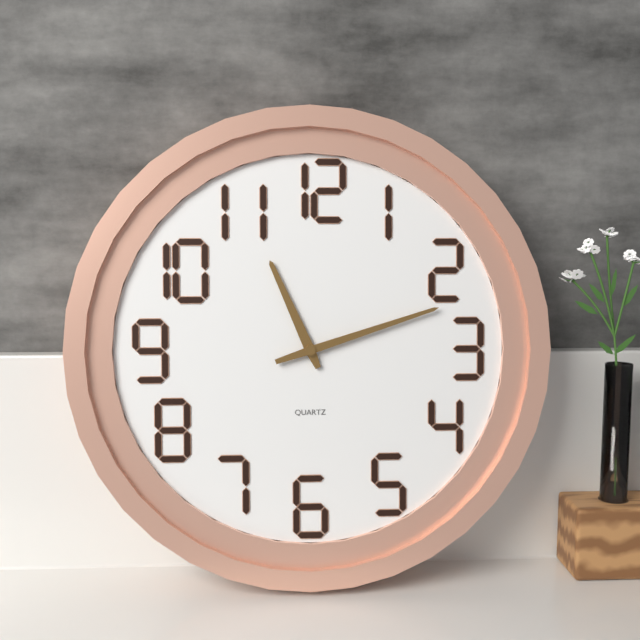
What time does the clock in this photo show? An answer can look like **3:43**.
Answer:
**11:12**
